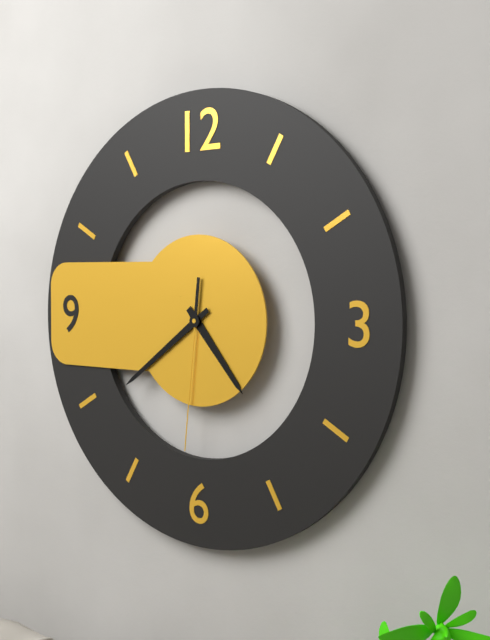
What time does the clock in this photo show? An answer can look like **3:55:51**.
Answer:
**4:39:31**
